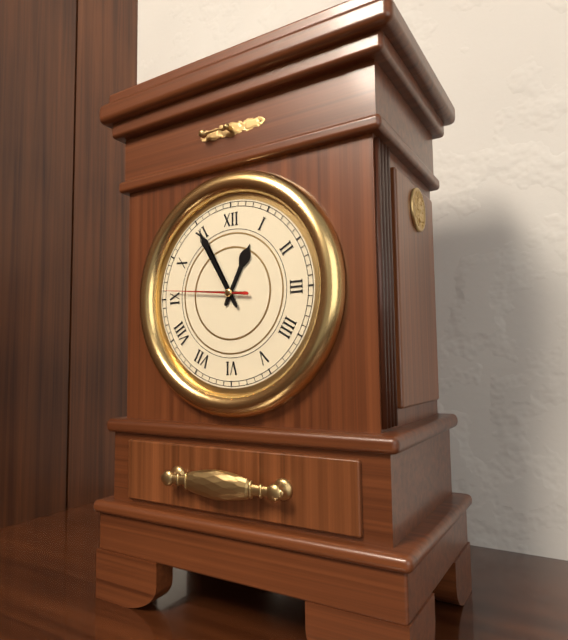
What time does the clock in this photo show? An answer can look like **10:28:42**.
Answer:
**12:55:46**
